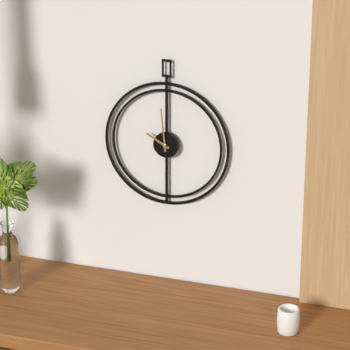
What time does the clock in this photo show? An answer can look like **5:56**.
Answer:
**9:59**
